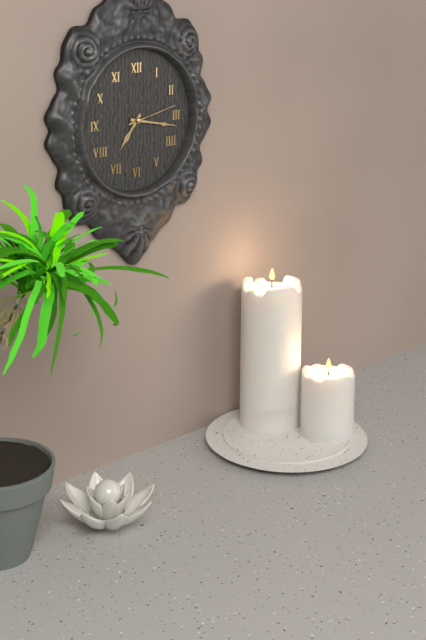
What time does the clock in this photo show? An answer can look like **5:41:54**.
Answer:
**7:17:13**
